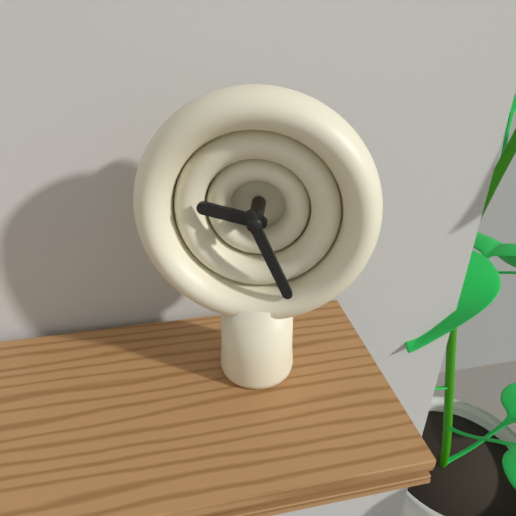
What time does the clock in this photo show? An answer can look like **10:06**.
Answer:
**9:26**
